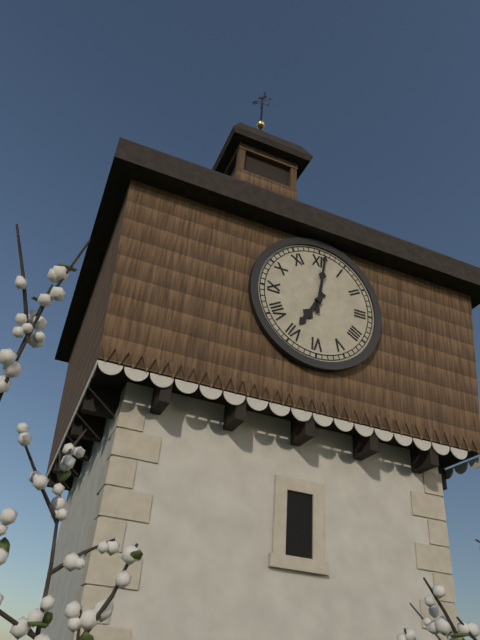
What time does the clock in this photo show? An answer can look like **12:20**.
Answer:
**7:01**
